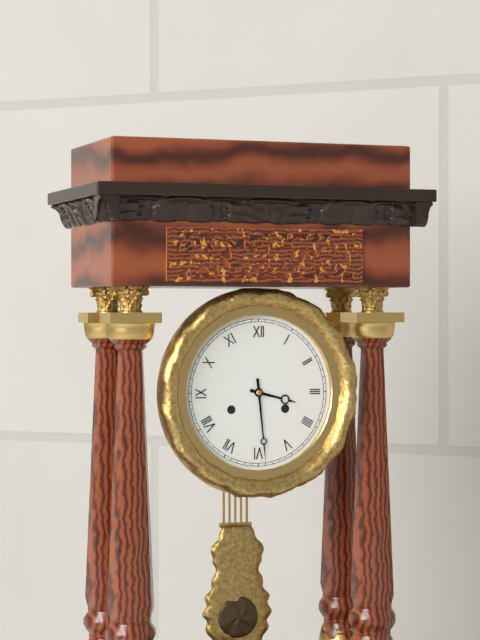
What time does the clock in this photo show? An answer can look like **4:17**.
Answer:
**3:29**
